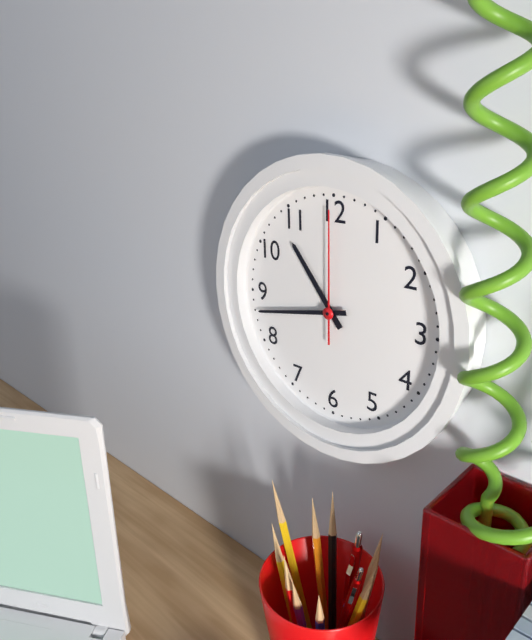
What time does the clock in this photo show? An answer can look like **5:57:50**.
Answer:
**10:43:00**
